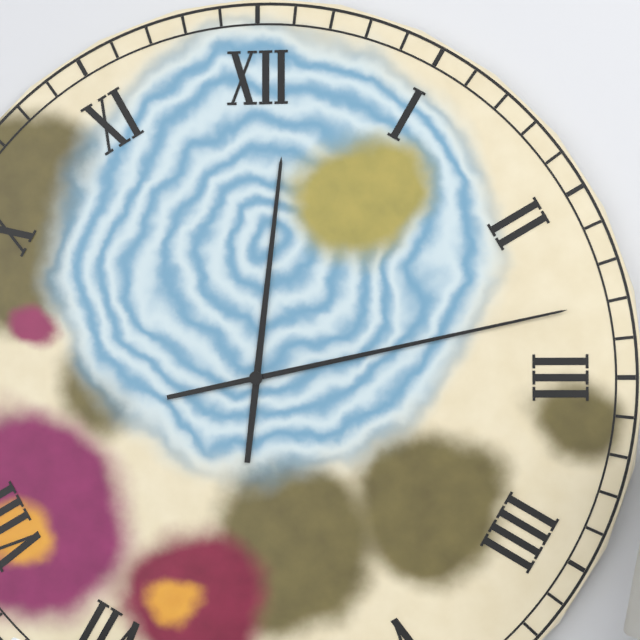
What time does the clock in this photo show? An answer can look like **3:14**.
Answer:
**12:13**
